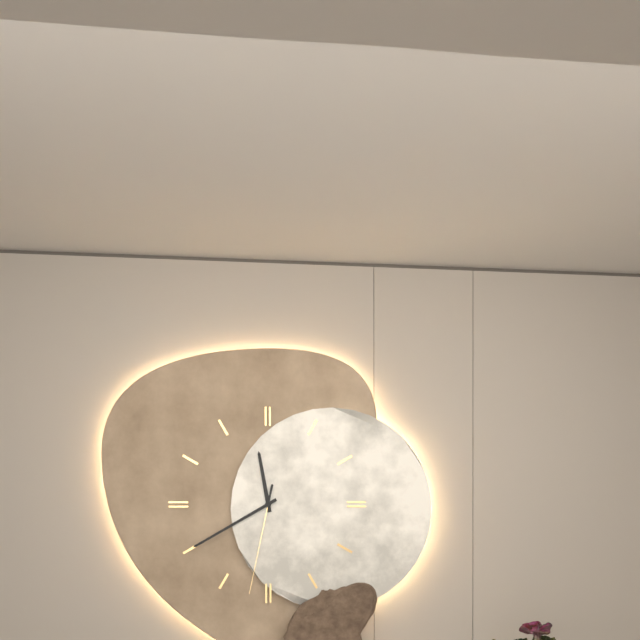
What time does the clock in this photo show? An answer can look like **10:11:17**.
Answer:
**11:40:32**
